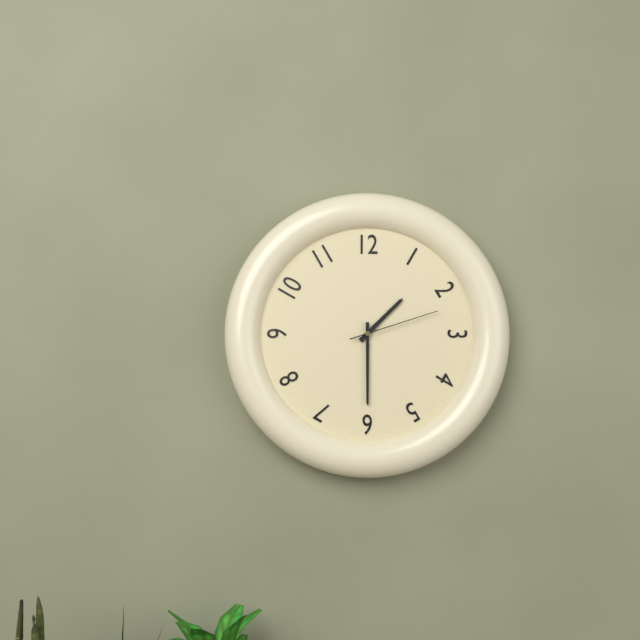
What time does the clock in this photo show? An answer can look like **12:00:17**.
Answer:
**1:30:12**
